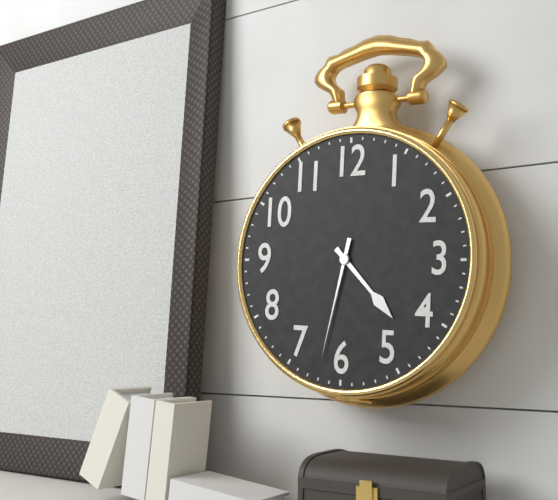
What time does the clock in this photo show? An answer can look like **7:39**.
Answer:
**4:32**
